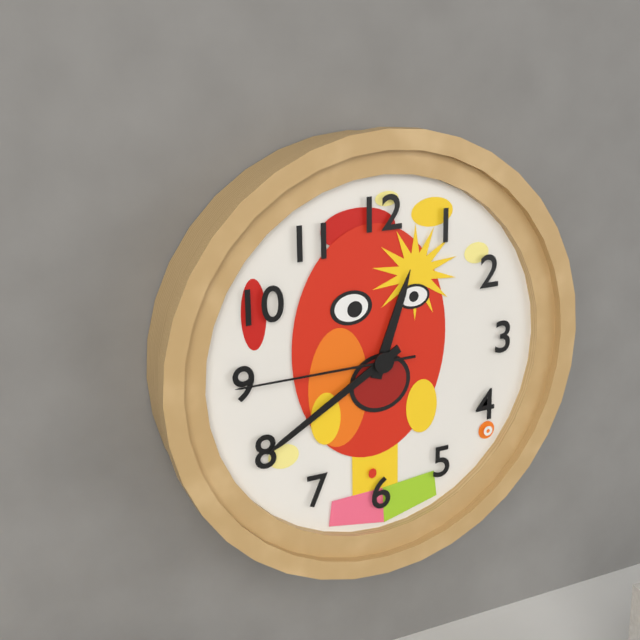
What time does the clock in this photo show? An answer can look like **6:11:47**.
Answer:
**12:40:45**
